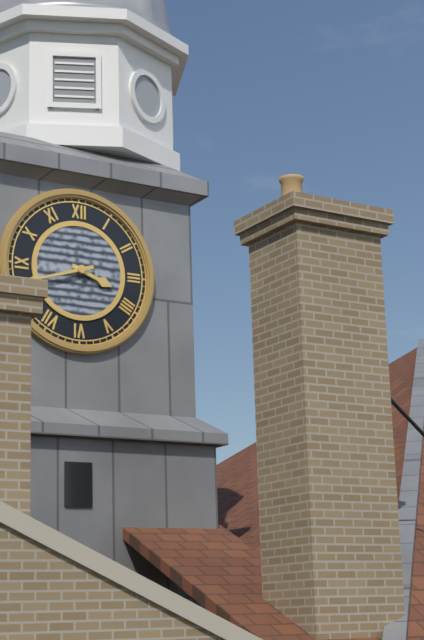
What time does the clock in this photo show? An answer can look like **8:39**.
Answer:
**3:42**
